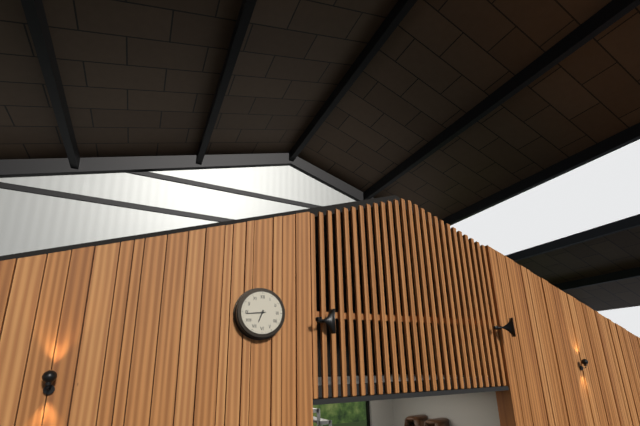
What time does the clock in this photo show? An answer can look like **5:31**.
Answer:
**6:44**
